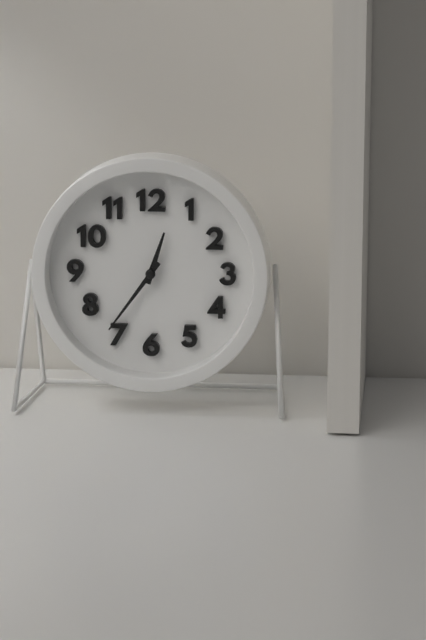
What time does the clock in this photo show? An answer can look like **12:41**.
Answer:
**12:36**
